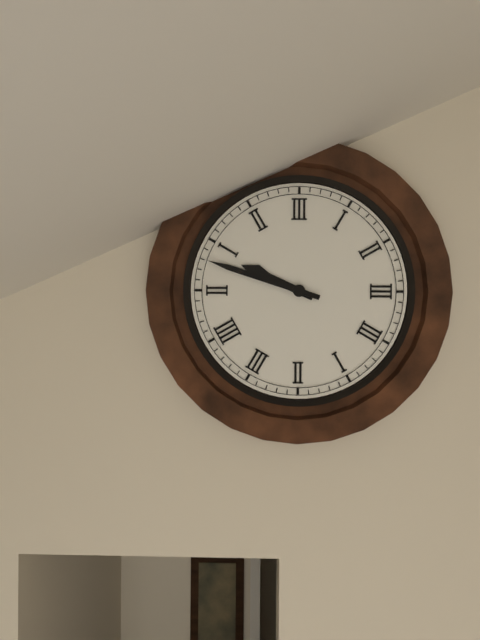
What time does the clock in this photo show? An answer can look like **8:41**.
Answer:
**9:48**
